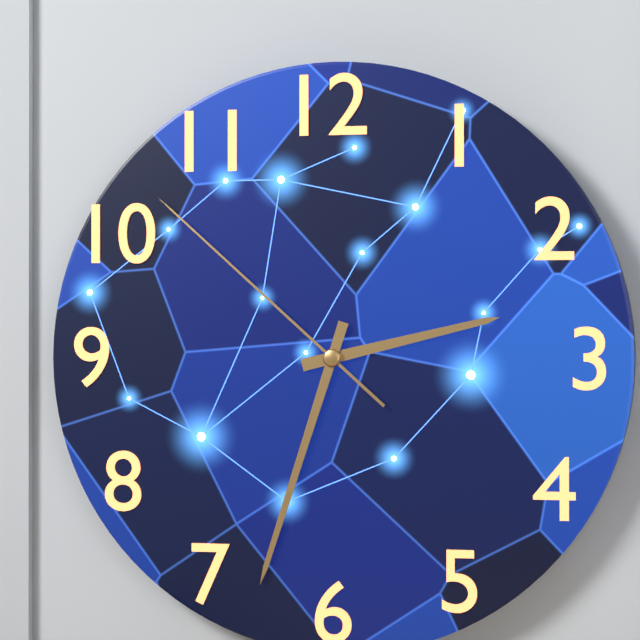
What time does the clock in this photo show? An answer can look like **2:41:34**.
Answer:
**2:33:52**
